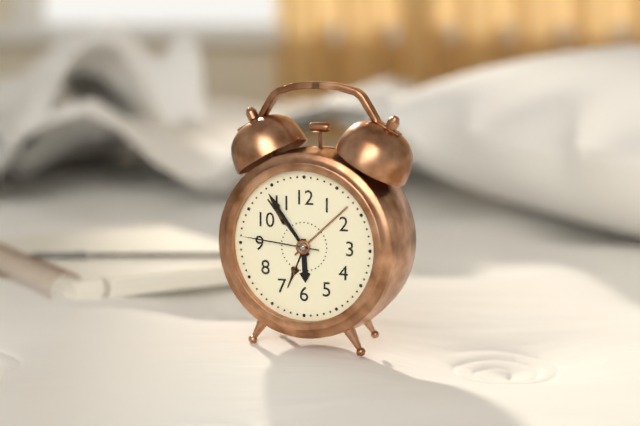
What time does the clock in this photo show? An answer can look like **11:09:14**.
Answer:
**5:54:46**
